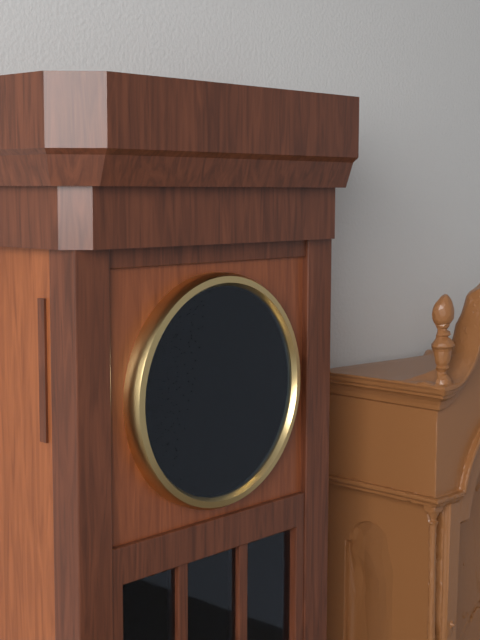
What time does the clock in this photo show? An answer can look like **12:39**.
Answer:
**8:04**
